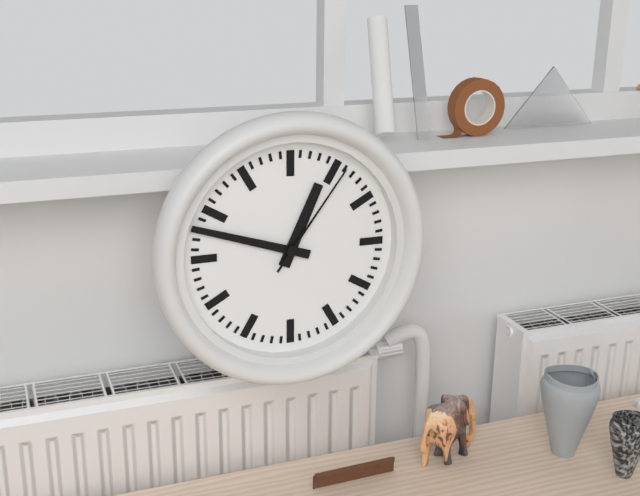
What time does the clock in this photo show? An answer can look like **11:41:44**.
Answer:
**12:48:06**
